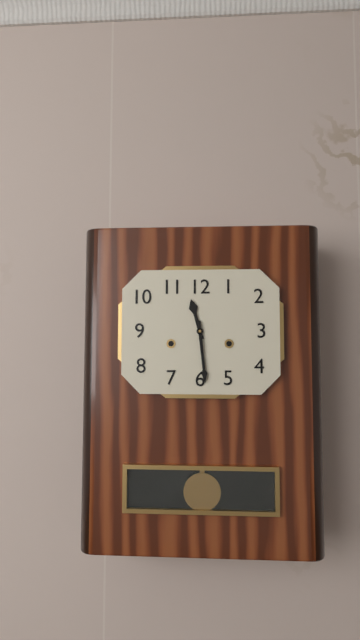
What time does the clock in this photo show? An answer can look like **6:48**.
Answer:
**11:29**
